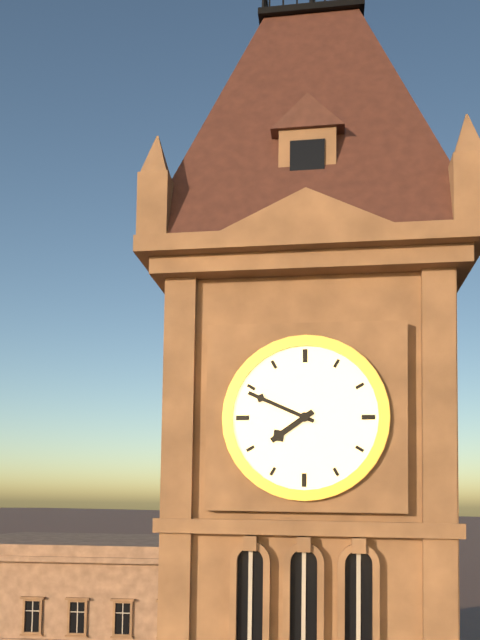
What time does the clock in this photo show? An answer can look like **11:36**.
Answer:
**7:49**
